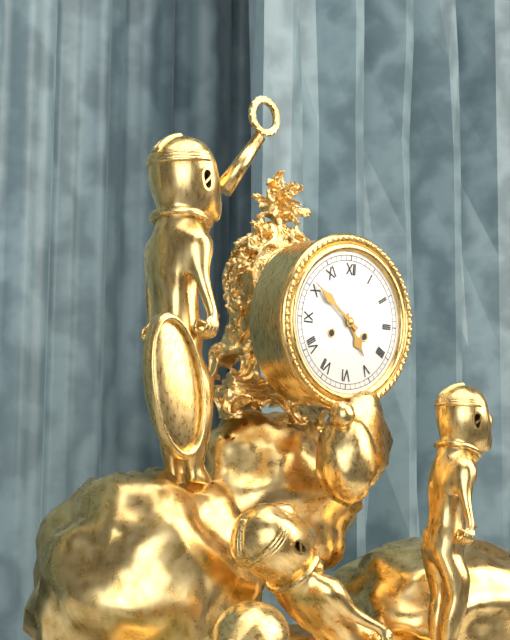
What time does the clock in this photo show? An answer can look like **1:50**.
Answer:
**4:51**
